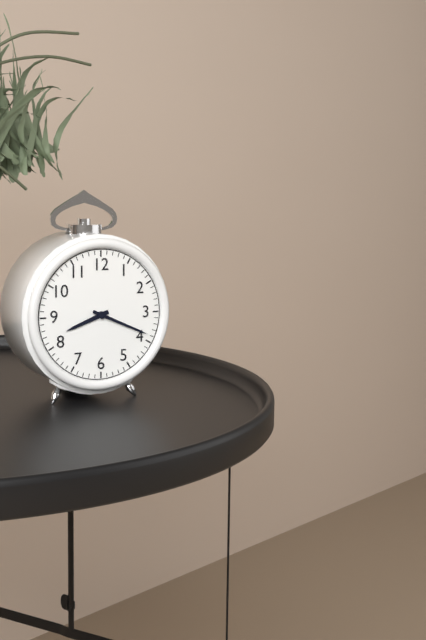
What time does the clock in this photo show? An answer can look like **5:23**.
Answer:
**8:19**
